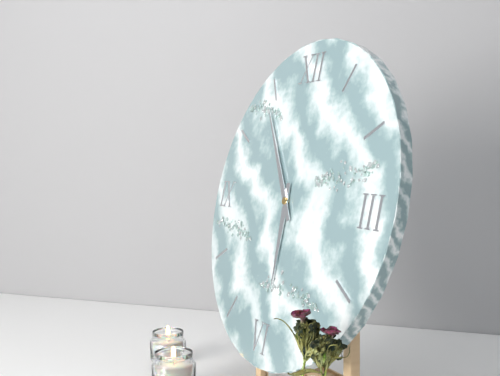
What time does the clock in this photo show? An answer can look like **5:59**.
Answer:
**5:54**
